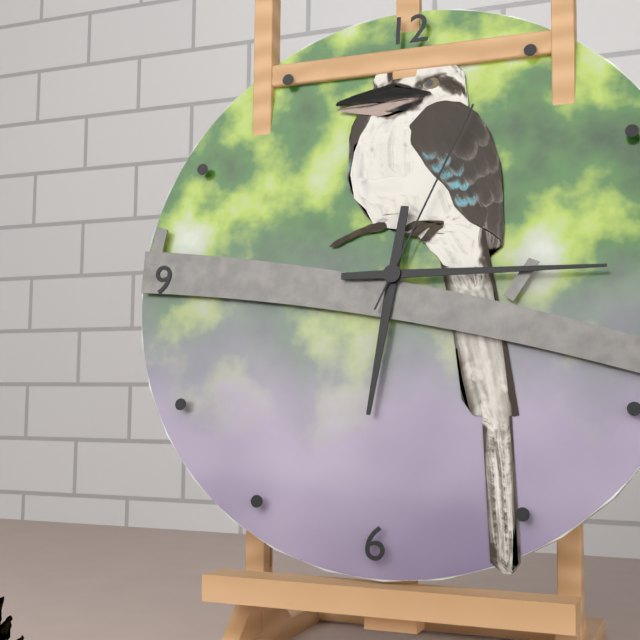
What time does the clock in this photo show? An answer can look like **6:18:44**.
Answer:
**6:15:04**
